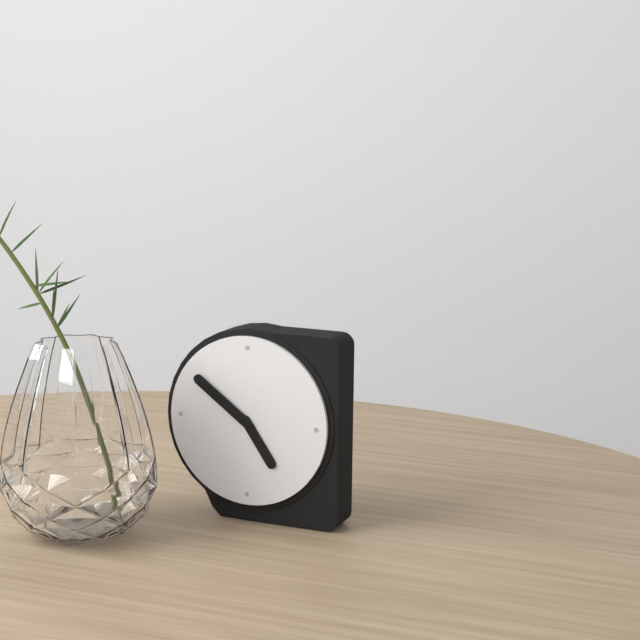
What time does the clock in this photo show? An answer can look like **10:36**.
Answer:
**4:51**
